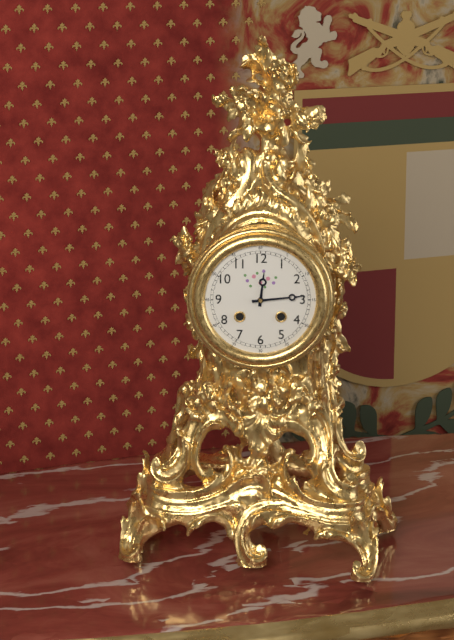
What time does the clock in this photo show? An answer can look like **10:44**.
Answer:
**12:14**
